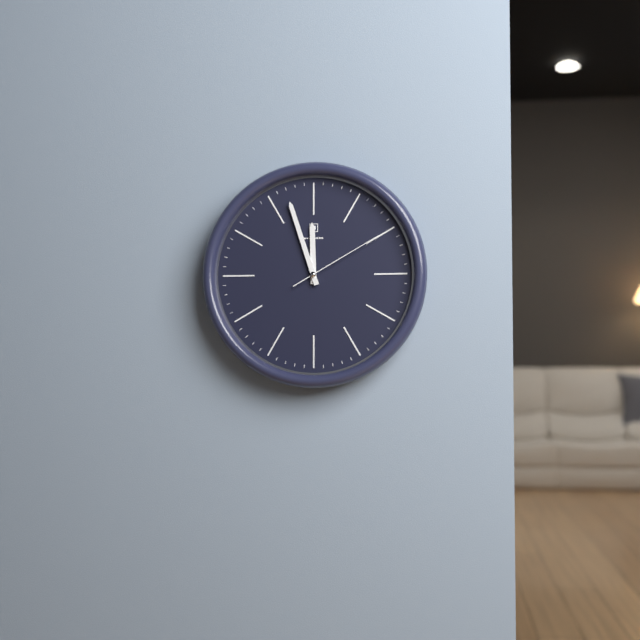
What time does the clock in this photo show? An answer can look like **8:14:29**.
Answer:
**11:57:10**
